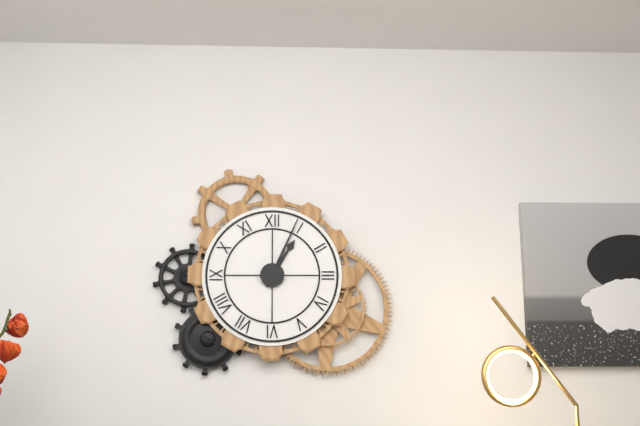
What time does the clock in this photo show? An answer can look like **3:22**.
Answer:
**1:04**
